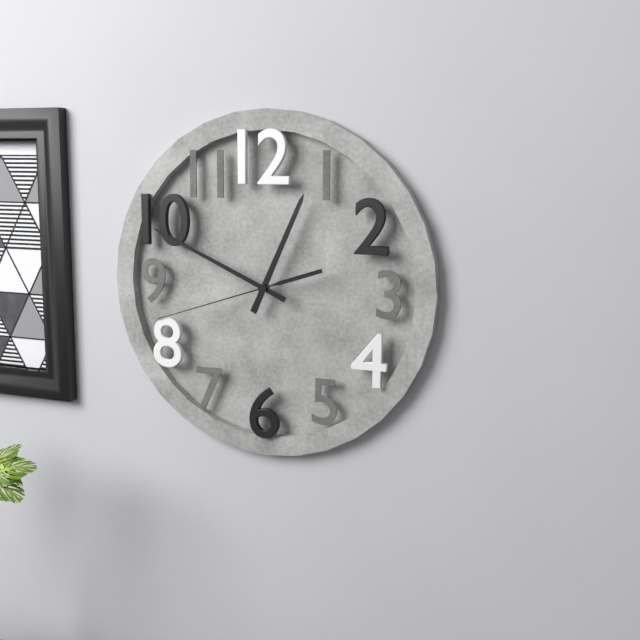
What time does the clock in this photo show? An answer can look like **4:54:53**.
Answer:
**12:49:42**
